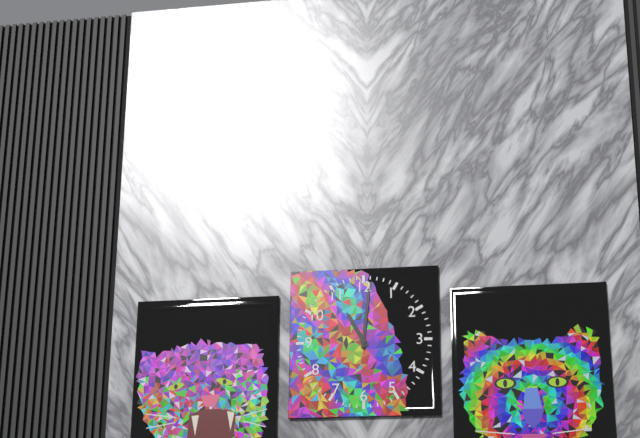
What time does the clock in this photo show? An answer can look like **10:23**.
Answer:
**11:01**
